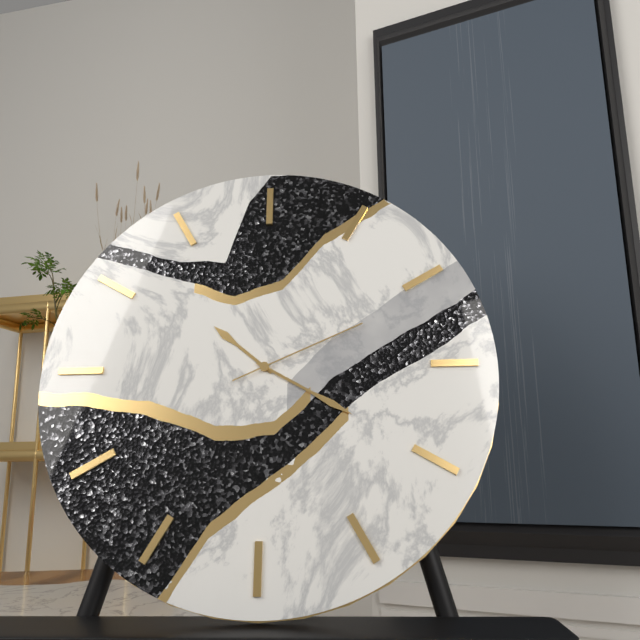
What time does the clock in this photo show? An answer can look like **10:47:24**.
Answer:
**10:20:11**
